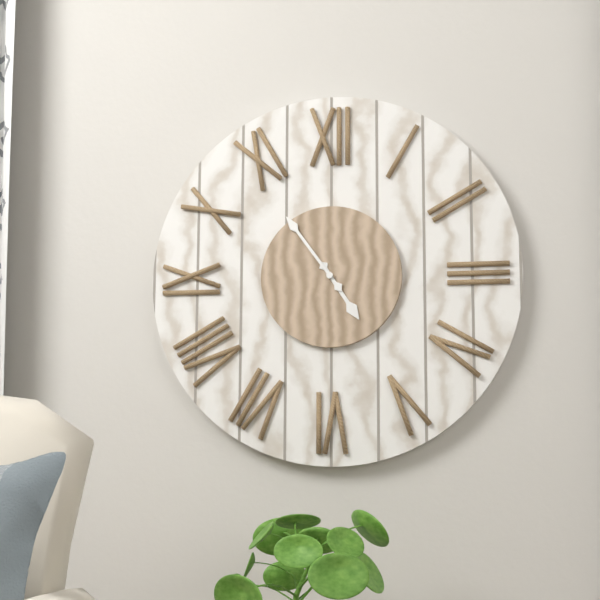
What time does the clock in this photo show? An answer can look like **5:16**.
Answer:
**4:54**
